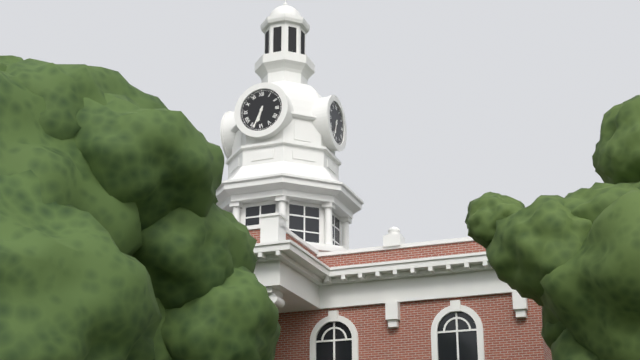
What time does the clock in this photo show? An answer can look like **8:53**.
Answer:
**6:34**
